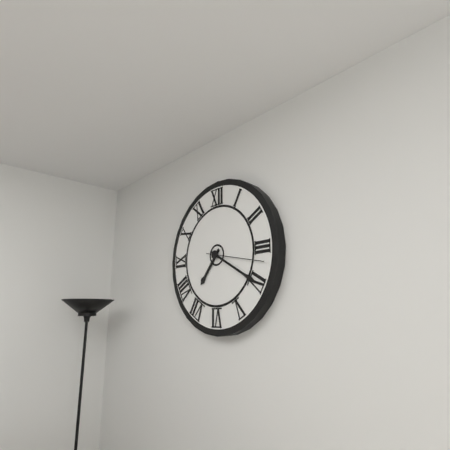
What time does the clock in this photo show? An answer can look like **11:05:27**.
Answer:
**7:20:17**
